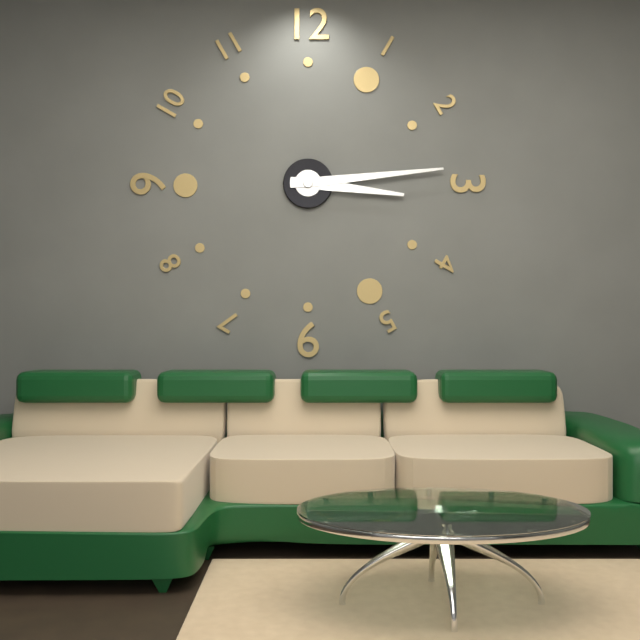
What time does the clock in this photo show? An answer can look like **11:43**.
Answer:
**3:14**
